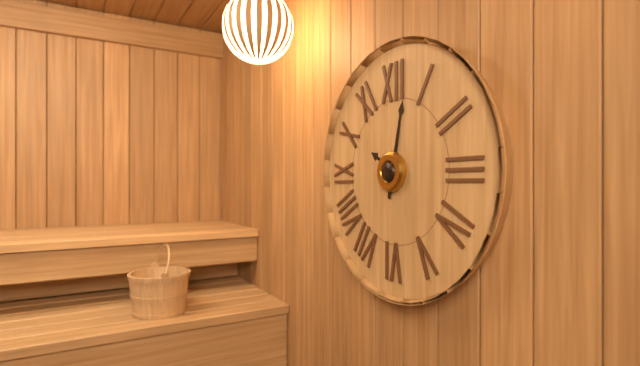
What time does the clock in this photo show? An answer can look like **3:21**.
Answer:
**10:02**
